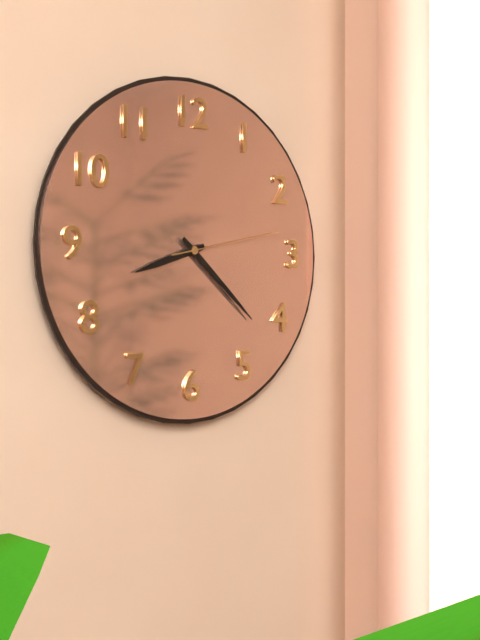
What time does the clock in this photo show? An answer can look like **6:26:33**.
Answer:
**8:22:13**
